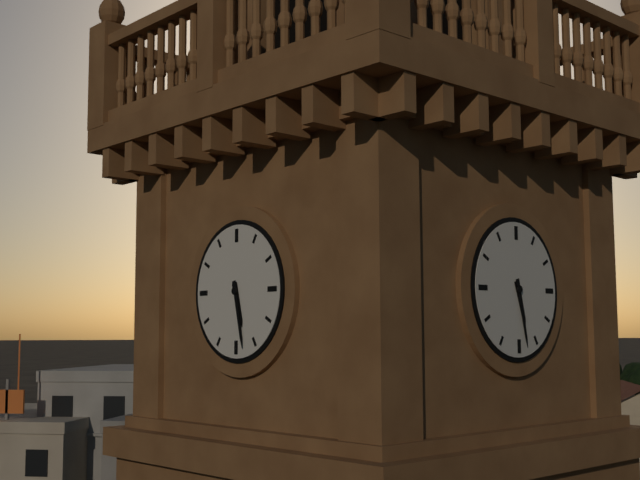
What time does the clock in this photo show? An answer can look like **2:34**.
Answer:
**5:28**
